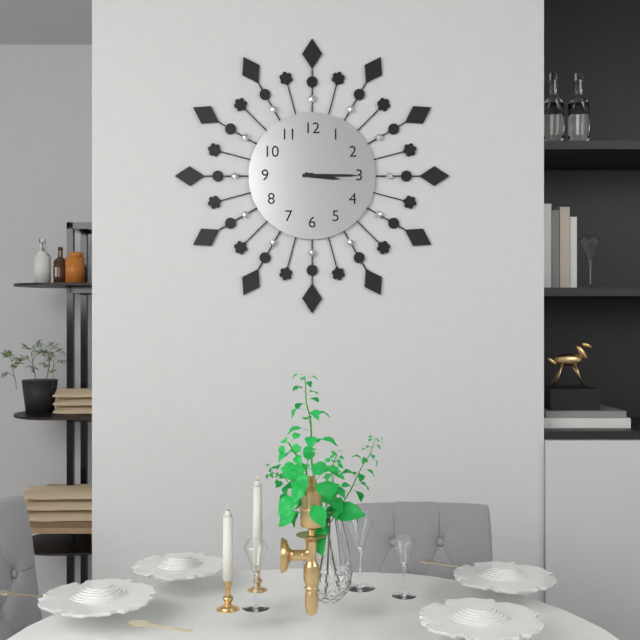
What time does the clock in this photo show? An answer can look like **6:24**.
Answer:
**3:15**
